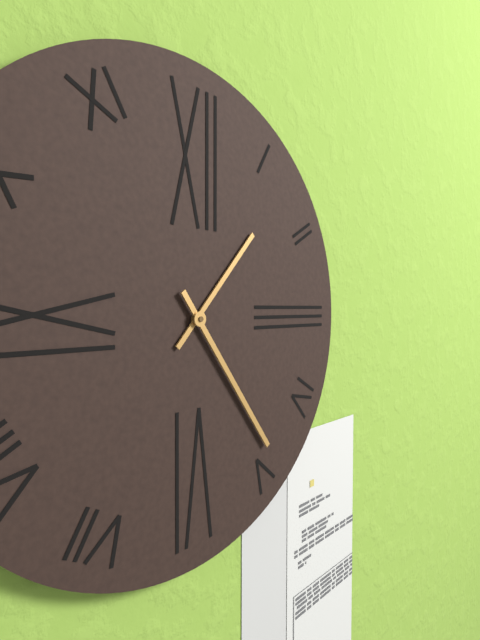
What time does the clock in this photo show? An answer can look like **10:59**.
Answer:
**1:24**
